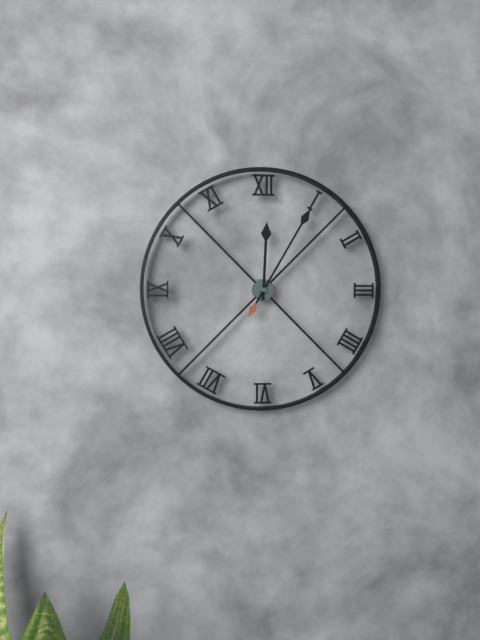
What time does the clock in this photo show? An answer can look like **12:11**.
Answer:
**12:05**
